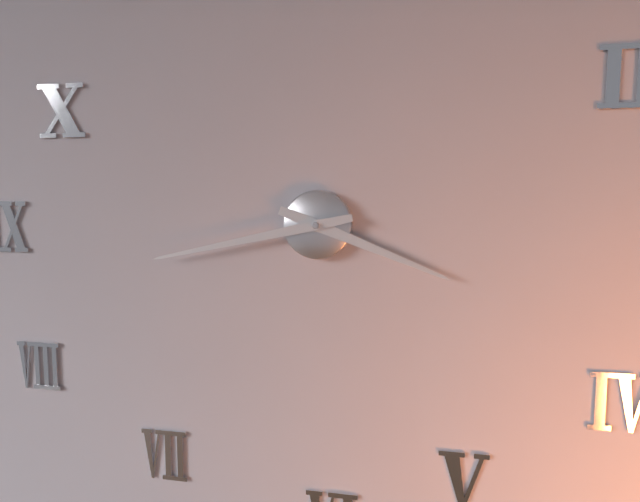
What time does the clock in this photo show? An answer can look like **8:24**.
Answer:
**3:43**
